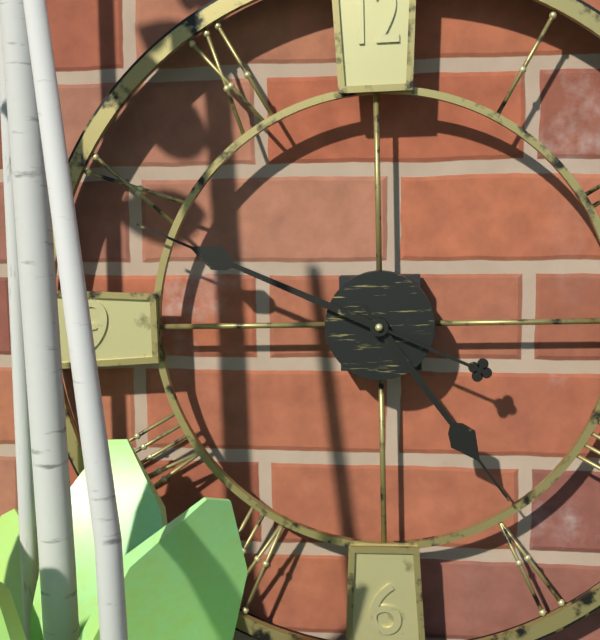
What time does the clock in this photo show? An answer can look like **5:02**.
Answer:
**4:49**
